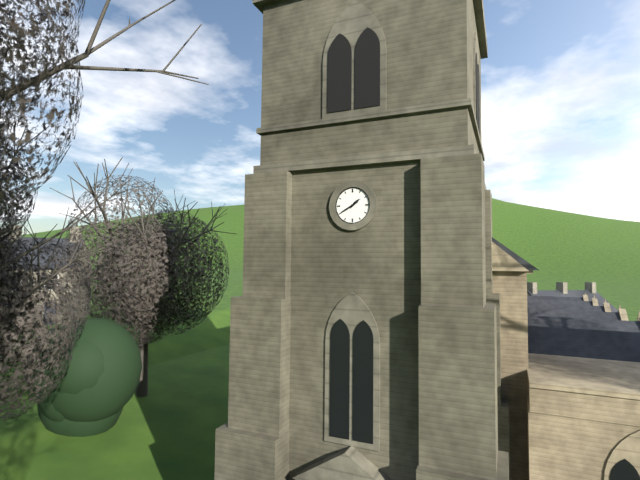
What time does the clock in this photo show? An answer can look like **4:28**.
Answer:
**1:40**
